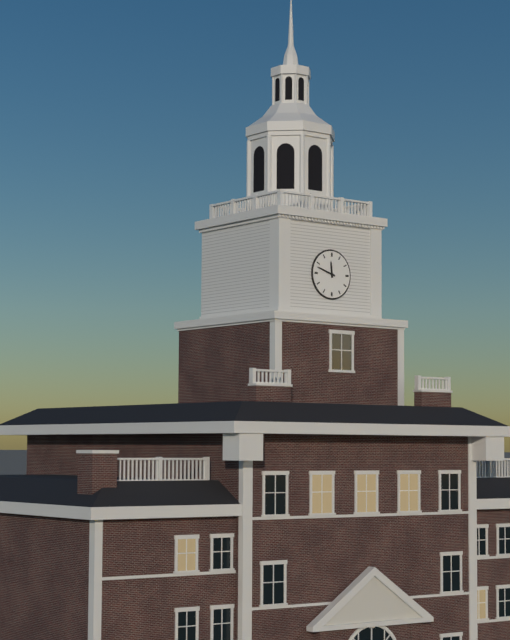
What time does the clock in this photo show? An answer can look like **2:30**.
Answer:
**11:48**
